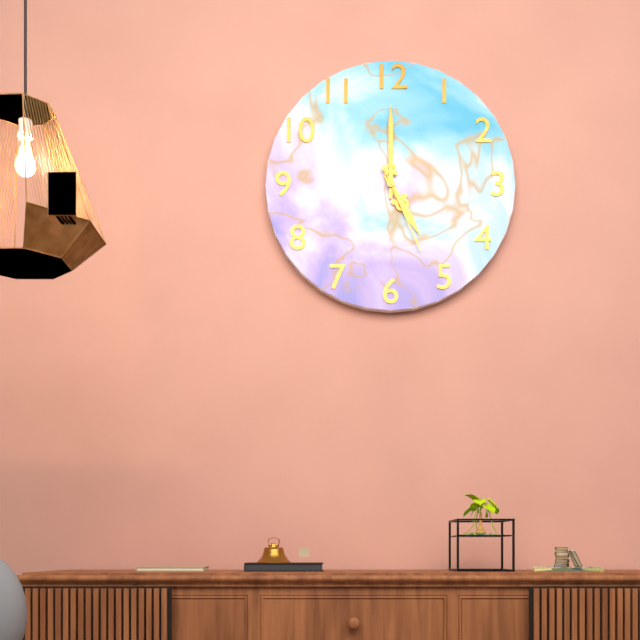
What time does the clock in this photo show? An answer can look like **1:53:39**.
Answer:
**5:00:26**
